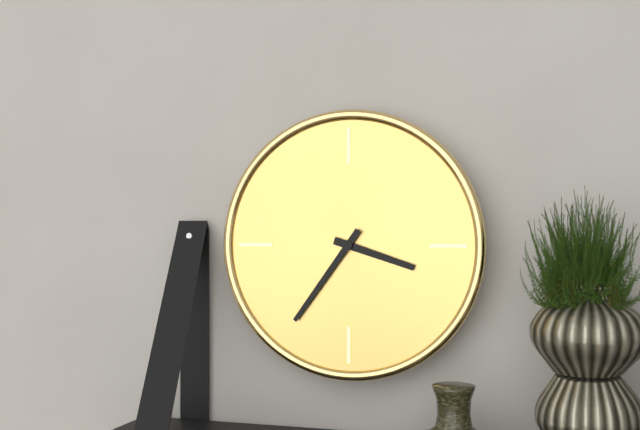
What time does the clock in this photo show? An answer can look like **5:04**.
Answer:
**3:36**
